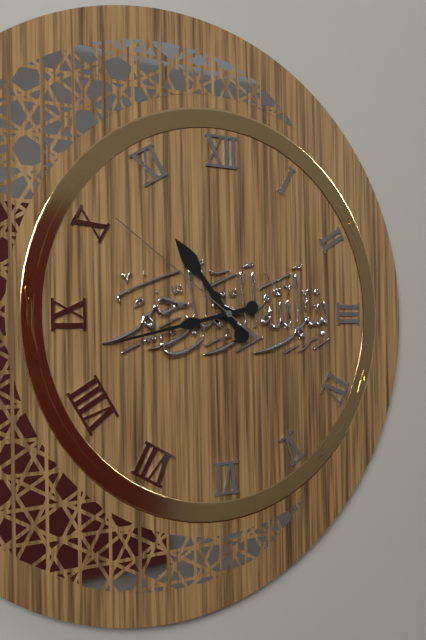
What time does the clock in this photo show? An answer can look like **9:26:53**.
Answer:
**10:43:51**
